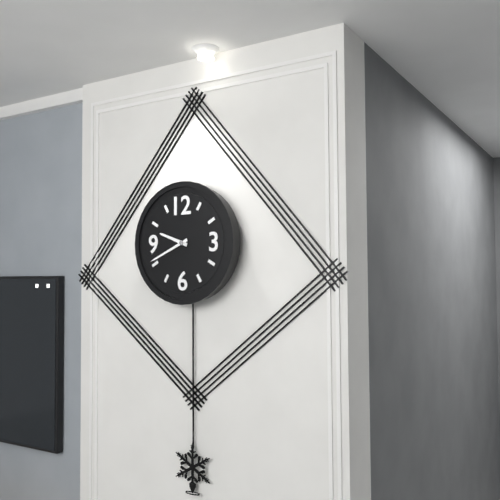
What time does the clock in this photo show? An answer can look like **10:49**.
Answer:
**9:41**
